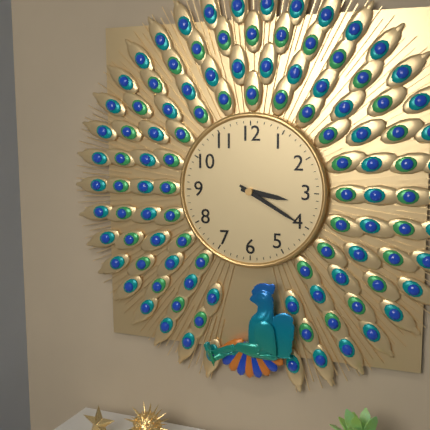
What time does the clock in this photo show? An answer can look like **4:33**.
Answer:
**3:20**
